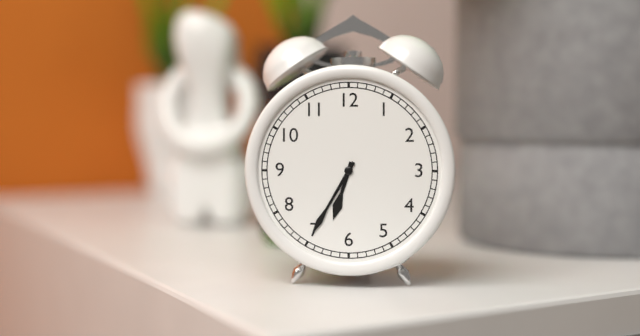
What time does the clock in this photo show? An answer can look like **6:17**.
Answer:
**6:35**
